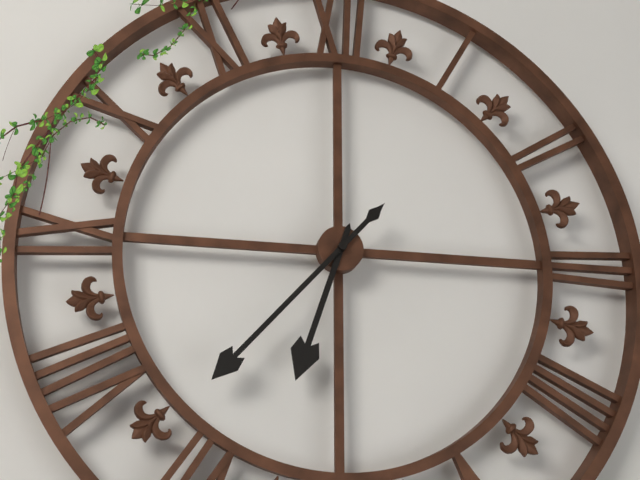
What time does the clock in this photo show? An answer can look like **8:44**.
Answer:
**6:37**
